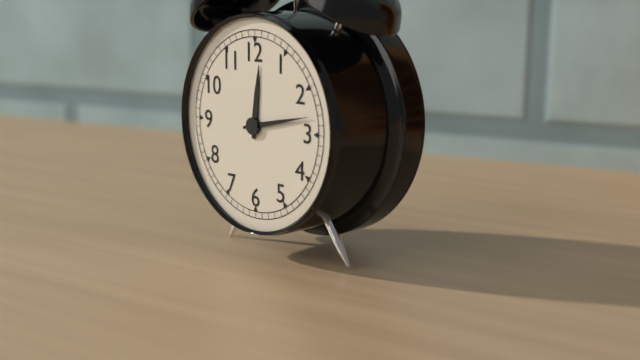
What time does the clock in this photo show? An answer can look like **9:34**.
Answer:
**12:13**
